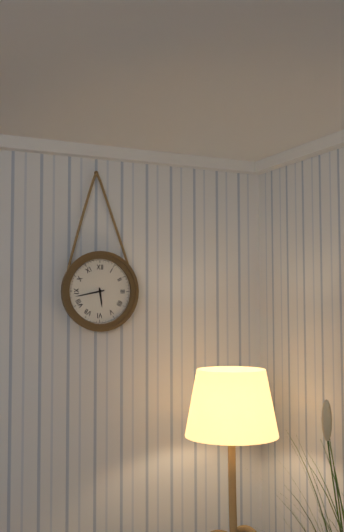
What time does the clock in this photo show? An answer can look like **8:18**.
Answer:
**5:43**
